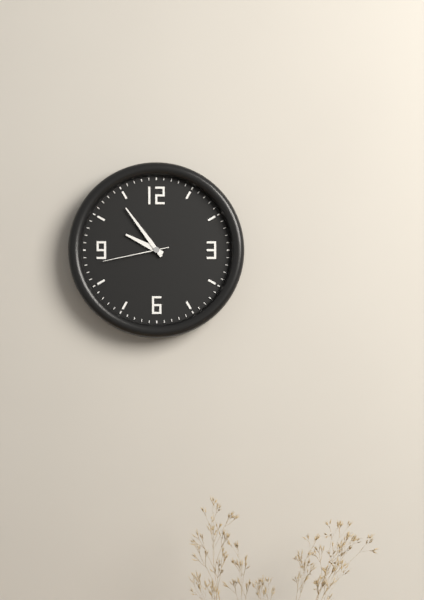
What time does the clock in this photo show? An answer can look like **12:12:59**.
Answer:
**9:54:43**
